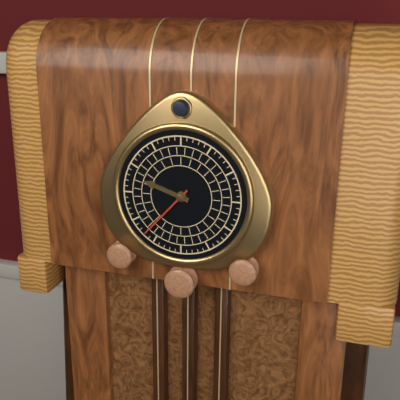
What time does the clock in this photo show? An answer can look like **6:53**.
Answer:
**9:37**
